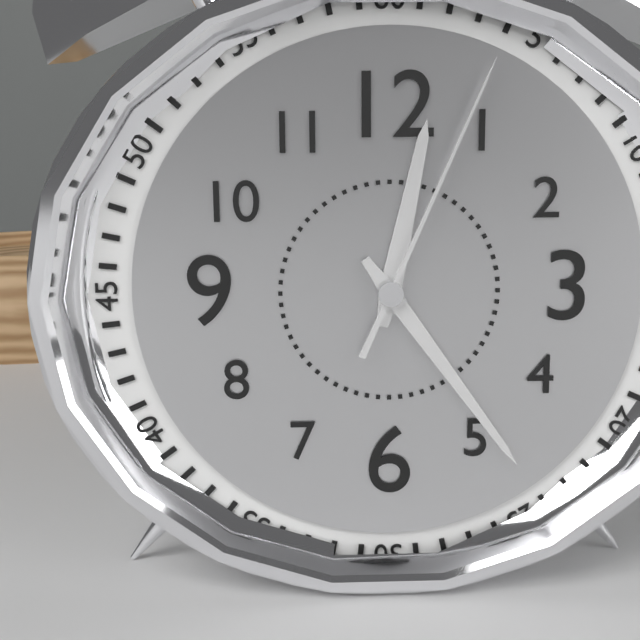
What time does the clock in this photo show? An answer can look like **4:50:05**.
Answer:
**12:24:04**
